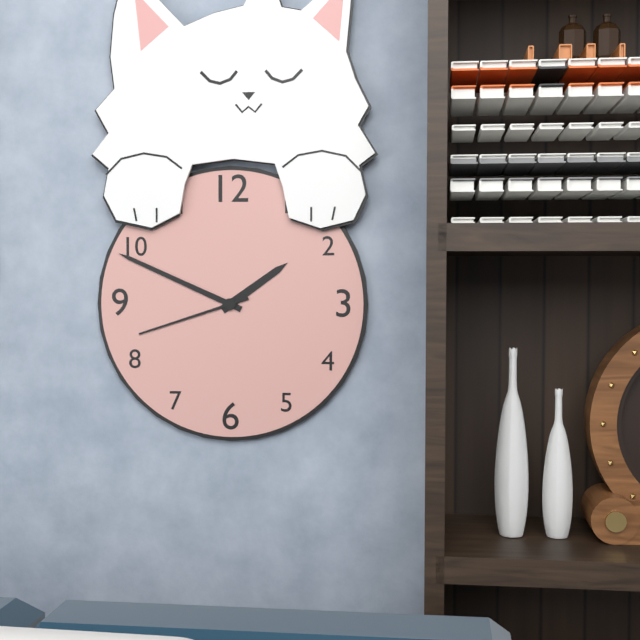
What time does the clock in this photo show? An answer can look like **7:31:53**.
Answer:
**1:49:42**
